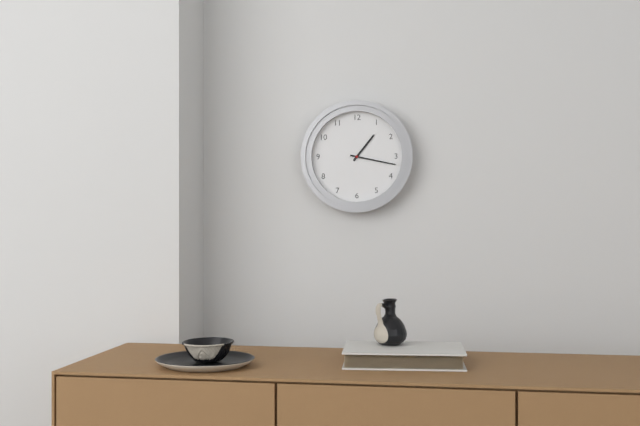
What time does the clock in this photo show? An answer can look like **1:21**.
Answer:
**1:17**
